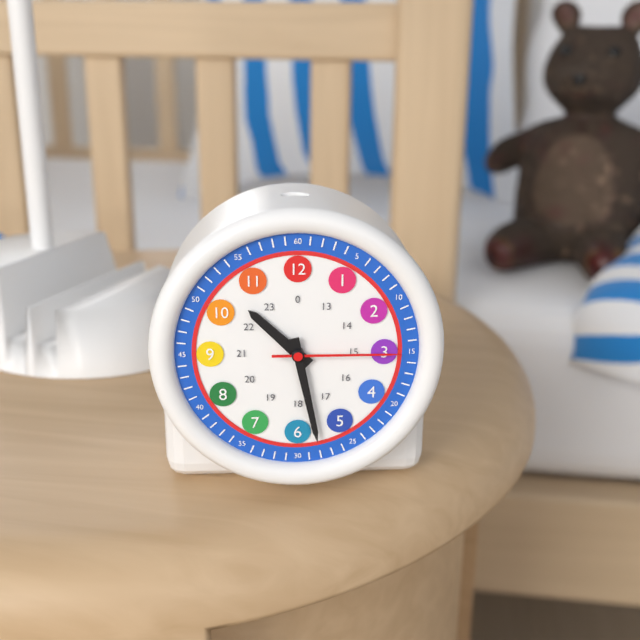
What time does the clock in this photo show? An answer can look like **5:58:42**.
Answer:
**10:28:15**
